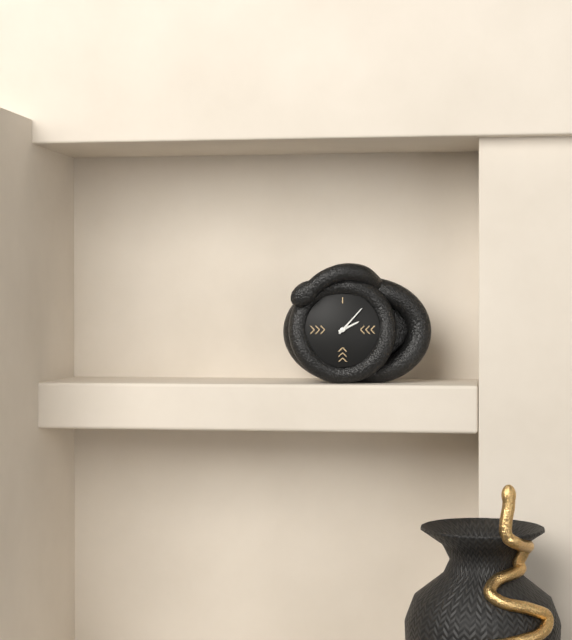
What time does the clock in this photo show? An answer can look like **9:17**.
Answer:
**2:07**
